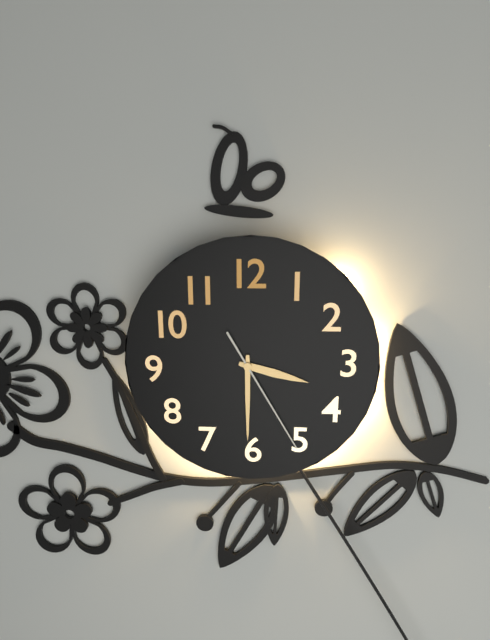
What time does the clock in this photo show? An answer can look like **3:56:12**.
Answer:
**3:30:25**
